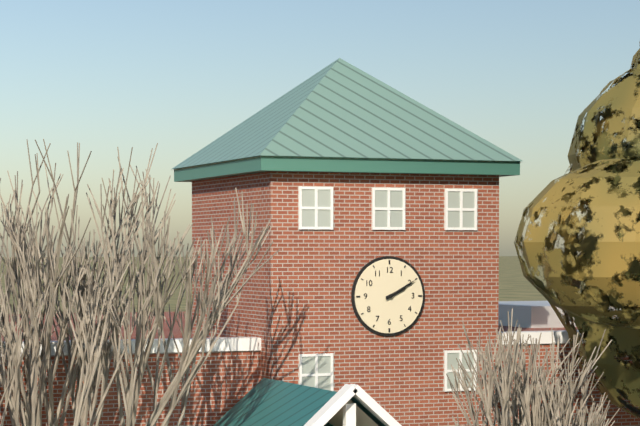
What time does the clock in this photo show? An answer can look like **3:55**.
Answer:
**2:10**
